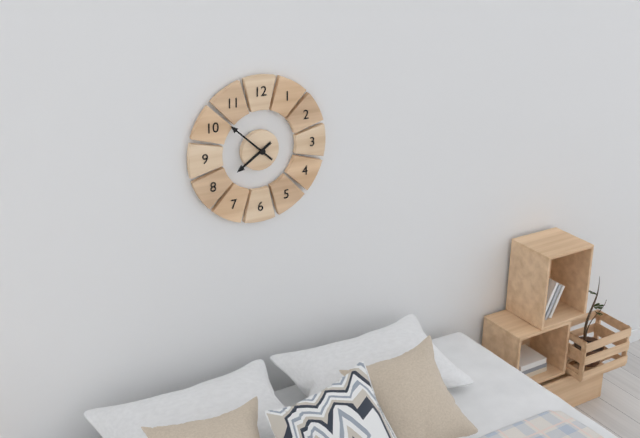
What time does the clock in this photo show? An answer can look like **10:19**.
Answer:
**7:52**
